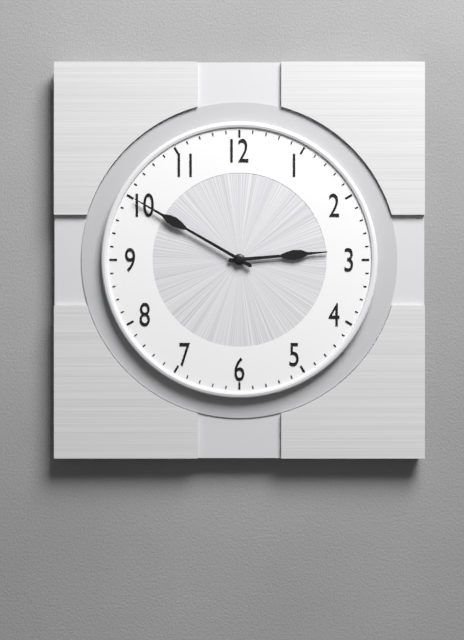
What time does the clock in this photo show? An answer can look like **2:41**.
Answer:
**2:50**
